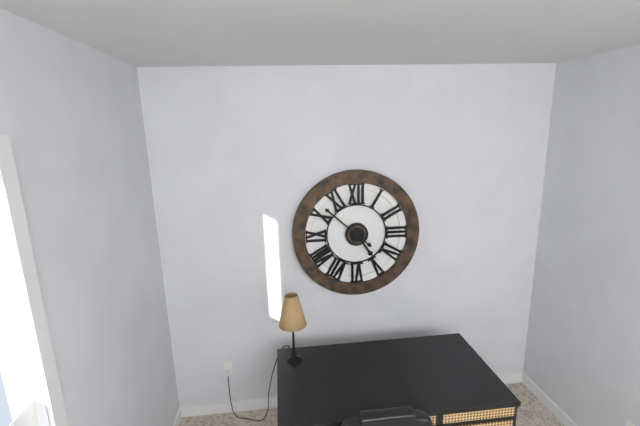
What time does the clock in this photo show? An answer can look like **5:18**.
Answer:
**4:52**
